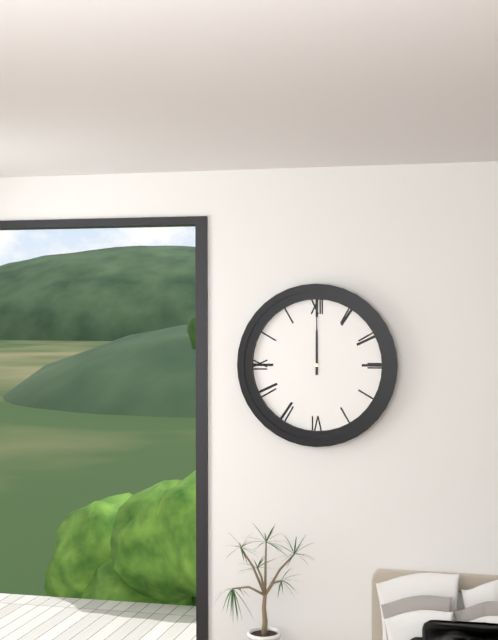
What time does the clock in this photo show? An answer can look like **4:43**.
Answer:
**12:00**
